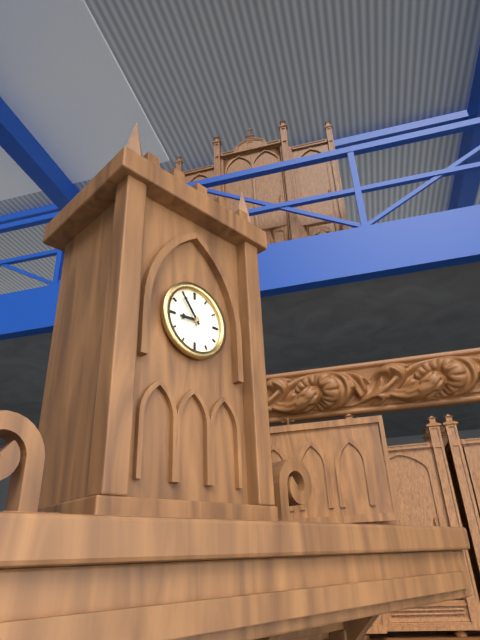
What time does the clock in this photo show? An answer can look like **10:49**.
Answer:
**8:54**
